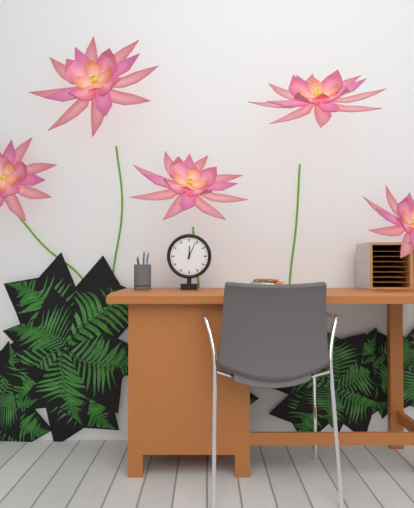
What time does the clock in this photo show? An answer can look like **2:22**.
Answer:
**12:04**
